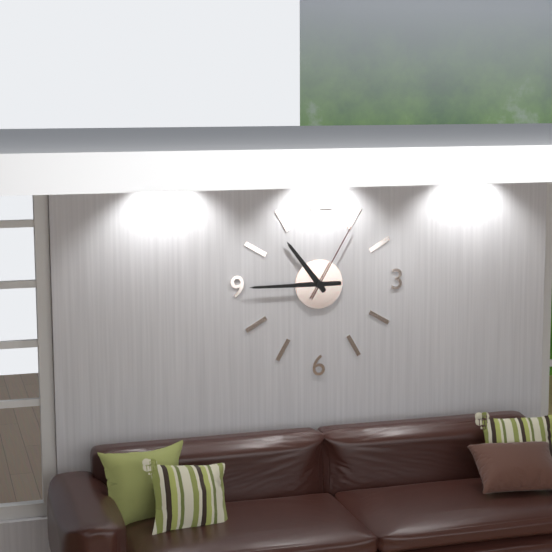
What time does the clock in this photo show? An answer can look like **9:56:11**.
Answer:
**10:45:05**
